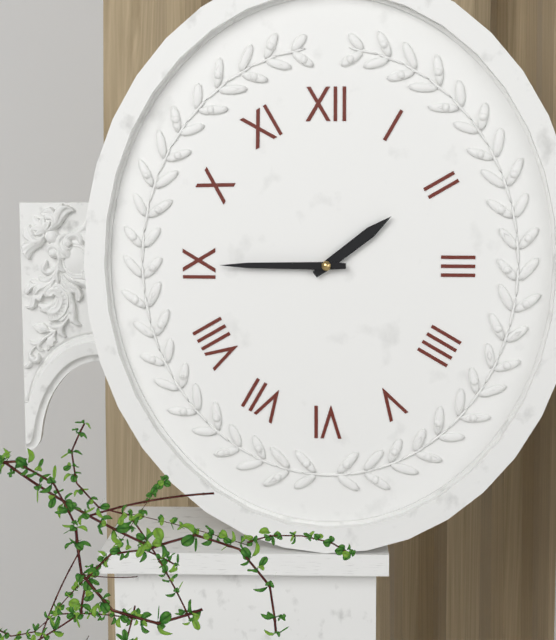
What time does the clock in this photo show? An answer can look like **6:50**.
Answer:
**1:45**
